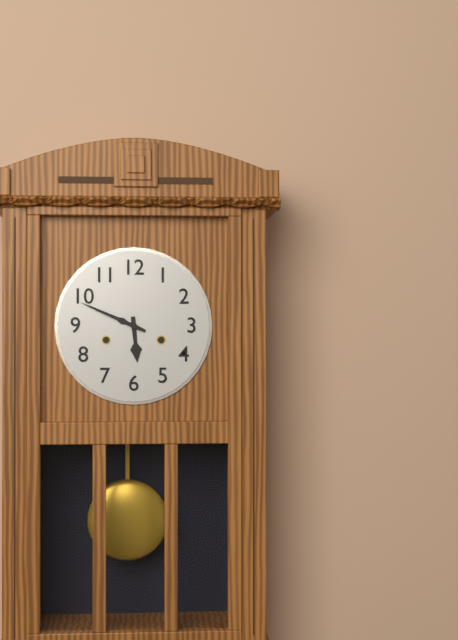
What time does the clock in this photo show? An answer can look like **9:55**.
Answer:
**5:49**
